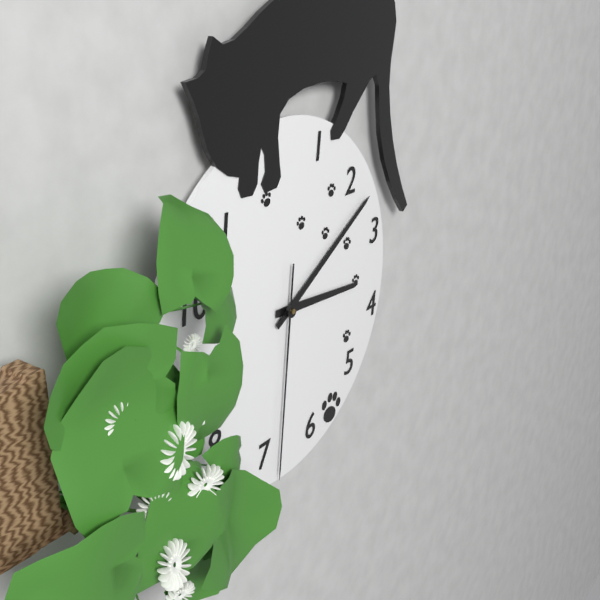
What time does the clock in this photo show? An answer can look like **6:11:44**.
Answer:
**3:10:31**
